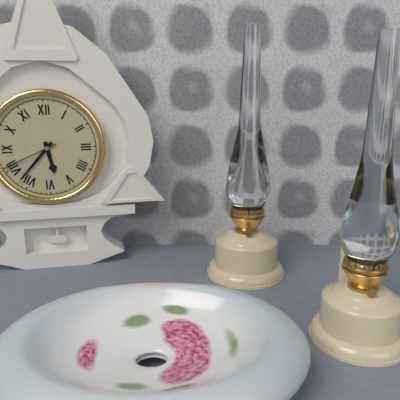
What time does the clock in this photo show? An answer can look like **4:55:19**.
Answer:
**5:37:41**
